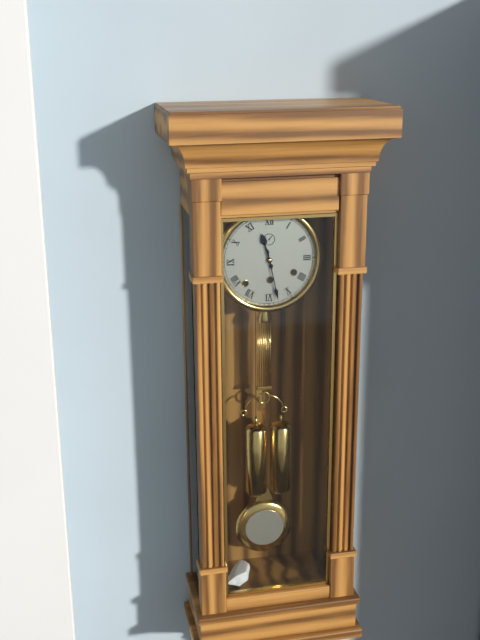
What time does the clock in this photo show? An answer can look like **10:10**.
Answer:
**11:28**
